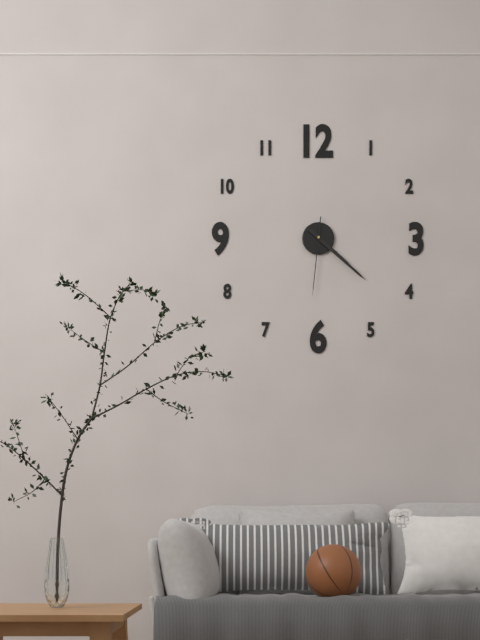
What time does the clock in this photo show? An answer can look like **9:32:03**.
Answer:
**4:22:31**
